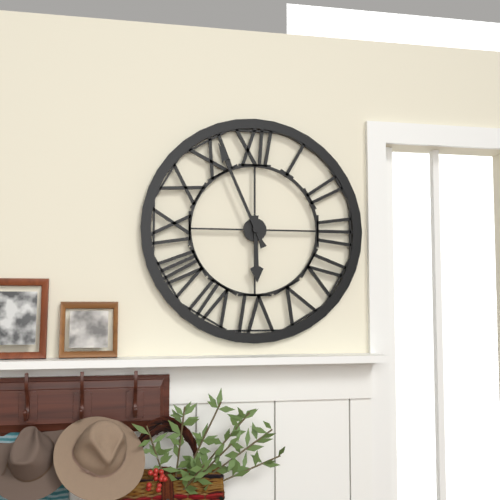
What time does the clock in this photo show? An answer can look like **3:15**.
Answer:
**5:56**
